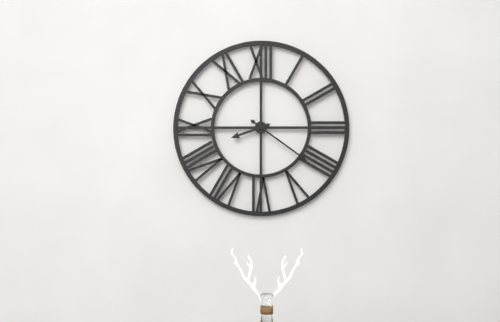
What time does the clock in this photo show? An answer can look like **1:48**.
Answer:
**8:21**
